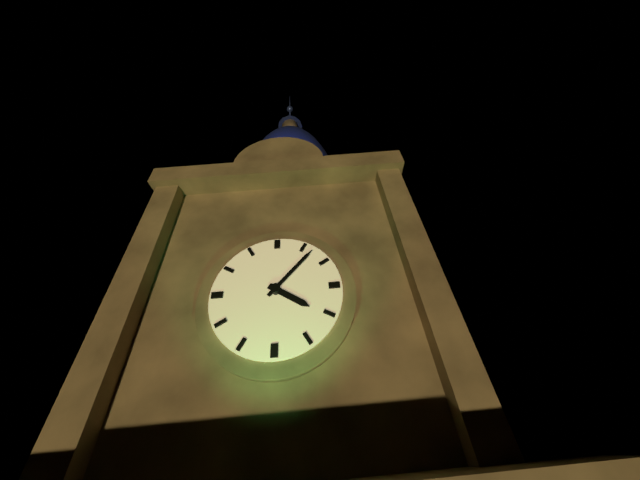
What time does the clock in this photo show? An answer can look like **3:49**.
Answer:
**4:07**
